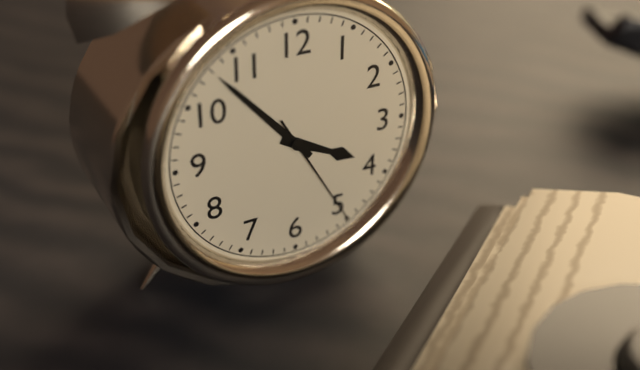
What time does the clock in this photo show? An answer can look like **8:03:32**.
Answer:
**3:53:25**
